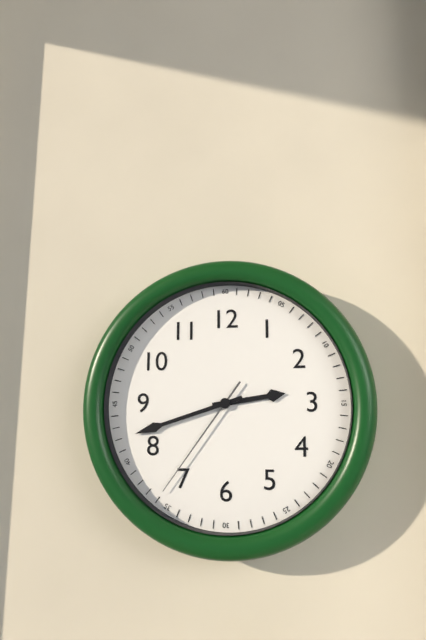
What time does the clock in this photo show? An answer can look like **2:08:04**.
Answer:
**2:42:36**
